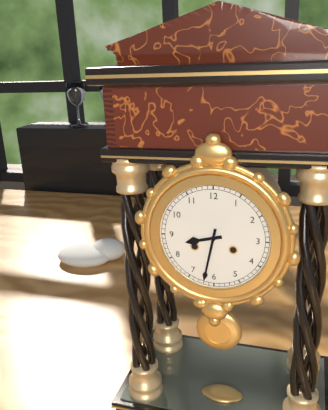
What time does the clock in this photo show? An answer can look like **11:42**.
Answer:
**8:32**
